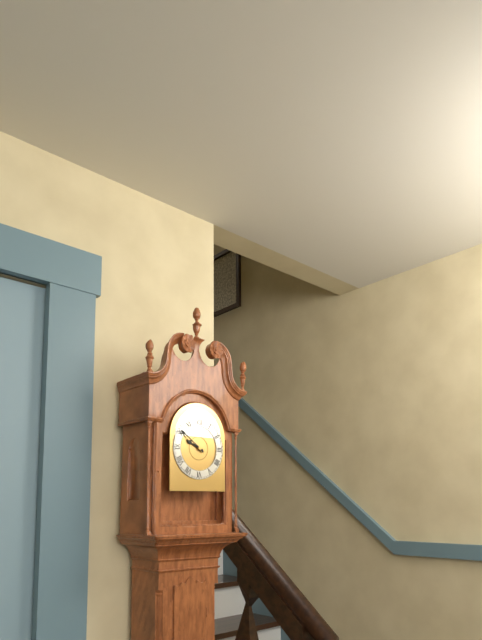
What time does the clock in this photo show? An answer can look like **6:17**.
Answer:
**9:51**
